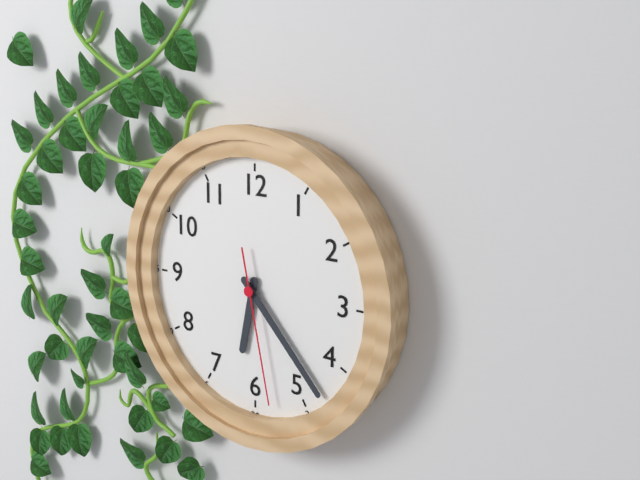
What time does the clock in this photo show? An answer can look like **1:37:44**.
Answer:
**6:23:28**
